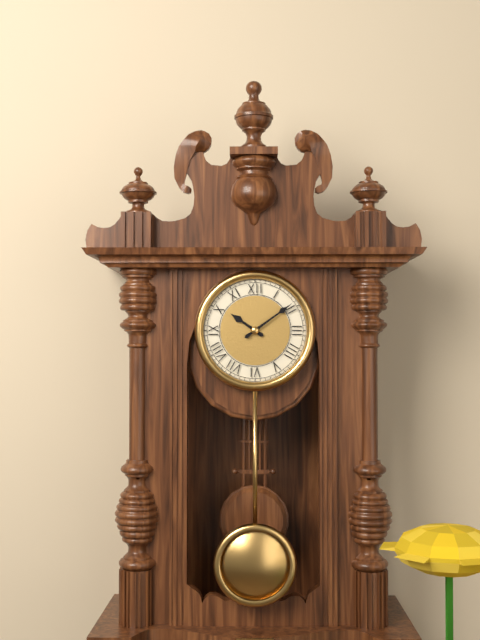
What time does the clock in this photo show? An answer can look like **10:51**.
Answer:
**10:09**
